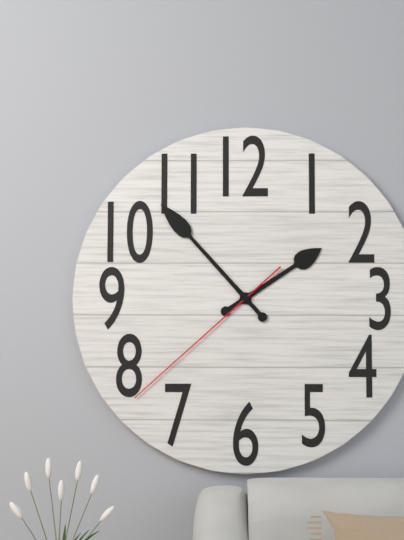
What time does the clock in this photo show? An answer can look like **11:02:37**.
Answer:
**1:53:38**
